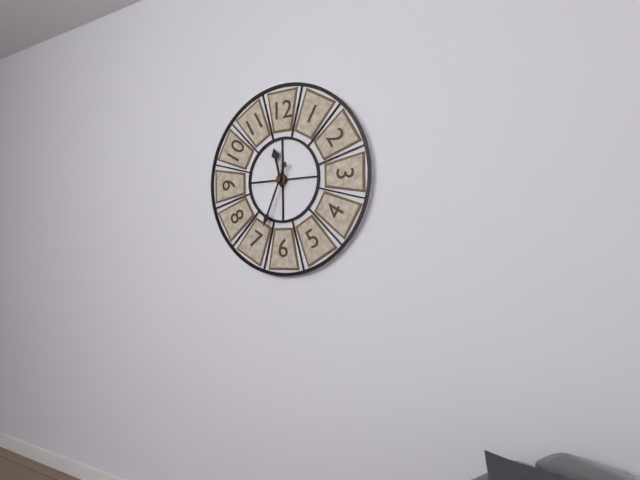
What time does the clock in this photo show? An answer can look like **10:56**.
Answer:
**11:34**
